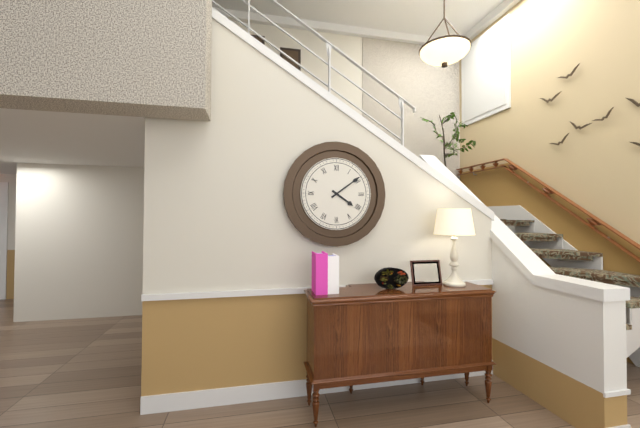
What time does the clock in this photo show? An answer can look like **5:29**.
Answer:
**4:09**
